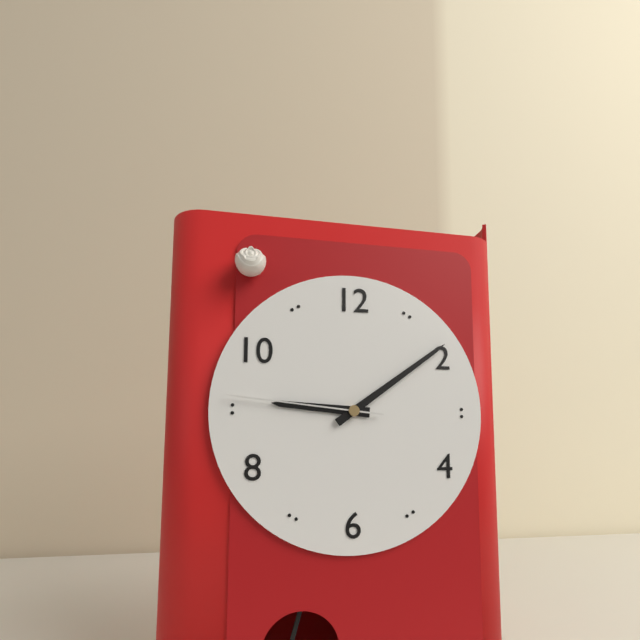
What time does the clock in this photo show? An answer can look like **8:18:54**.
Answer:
**9:09:46**
